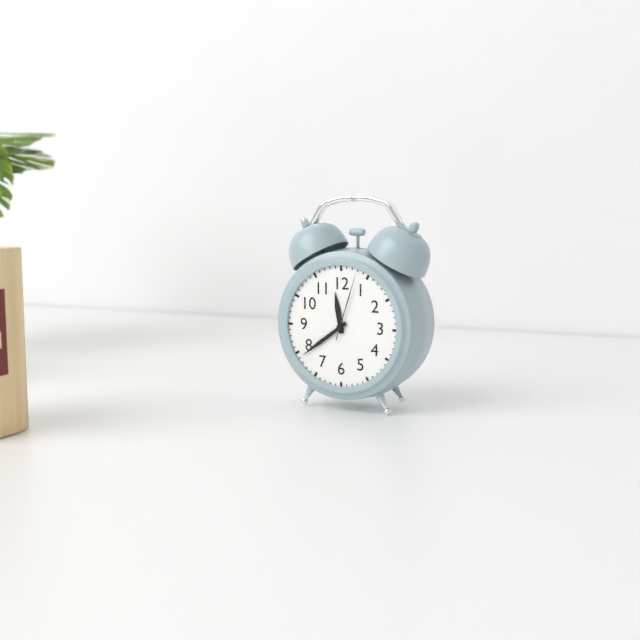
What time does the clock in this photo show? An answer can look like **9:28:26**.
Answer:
**11:39:03**
